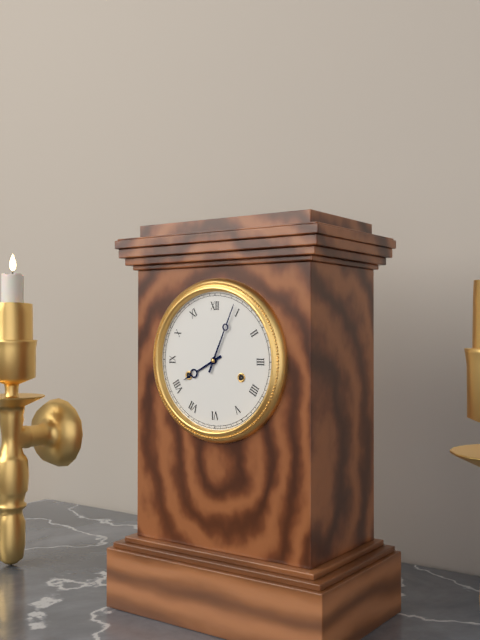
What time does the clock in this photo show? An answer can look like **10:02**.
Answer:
**8:04**
